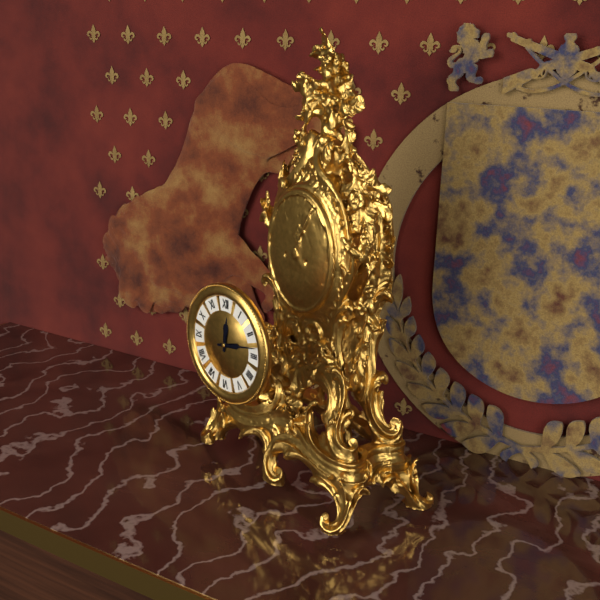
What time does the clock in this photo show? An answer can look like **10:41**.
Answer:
**12:13**
